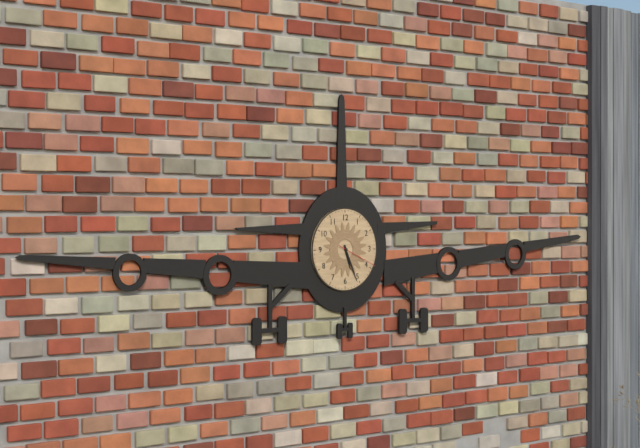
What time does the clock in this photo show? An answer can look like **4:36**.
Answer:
**5:26**
